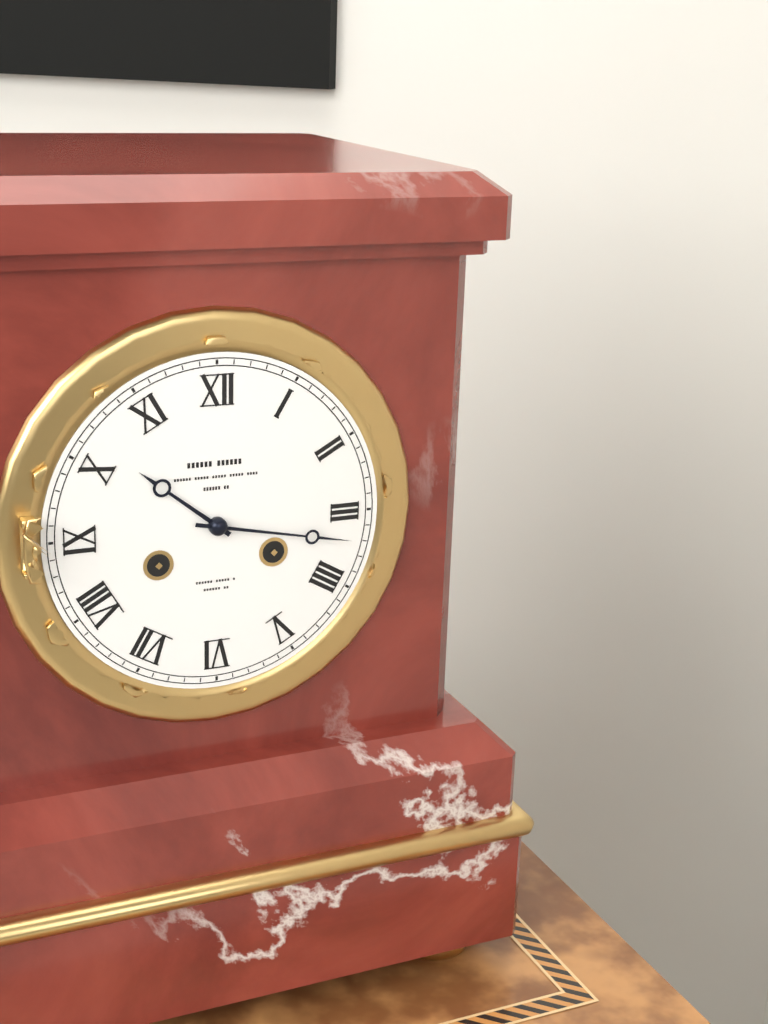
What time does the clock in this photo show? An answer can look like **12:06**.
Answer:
**10:17**
